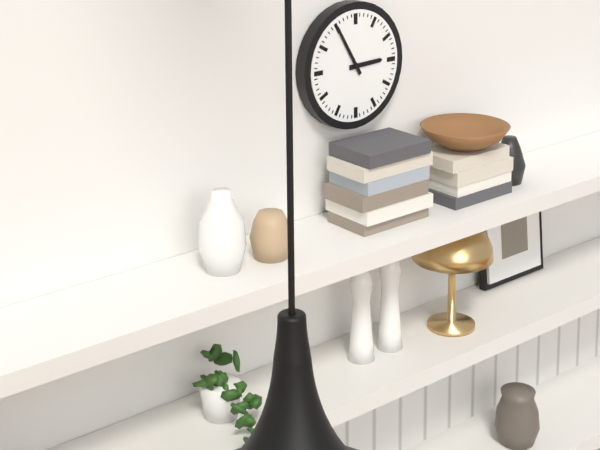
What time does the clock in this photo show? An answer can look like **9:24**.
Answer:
**2:55**
